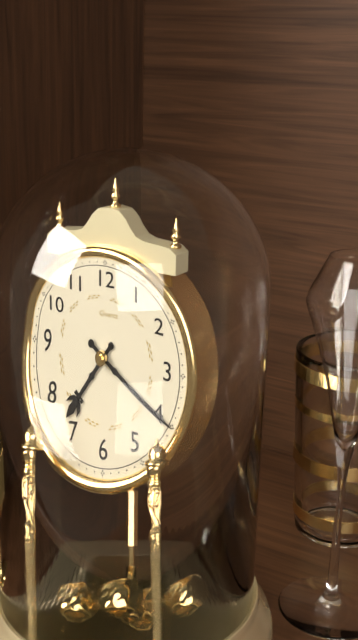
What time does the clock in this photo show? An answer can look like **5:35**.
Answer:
**7:20**
